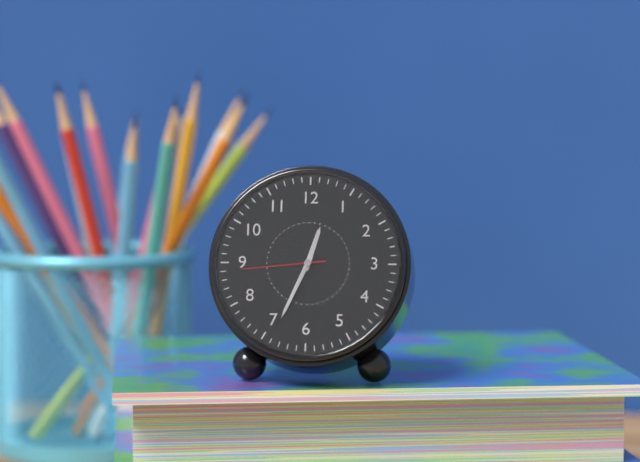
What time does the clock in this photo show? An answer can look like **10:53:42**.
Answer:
**12:34:44**
